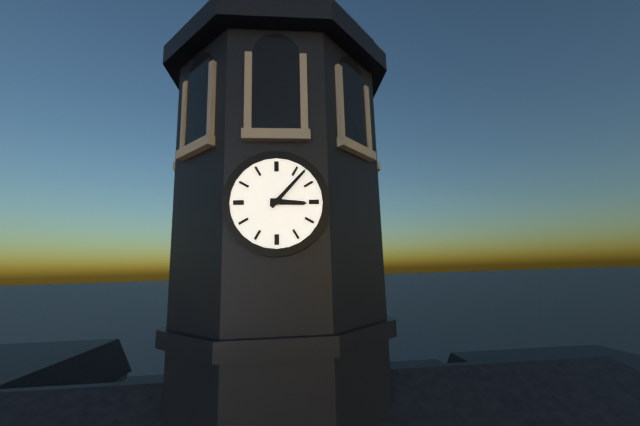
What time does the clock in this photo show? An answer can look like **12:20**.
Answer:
**3:07**
